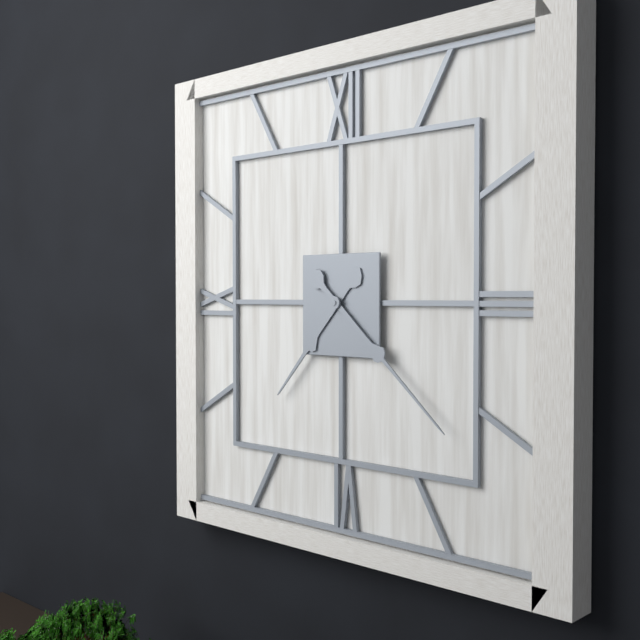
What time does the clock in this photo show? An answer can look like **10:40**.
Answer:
**7:22**
